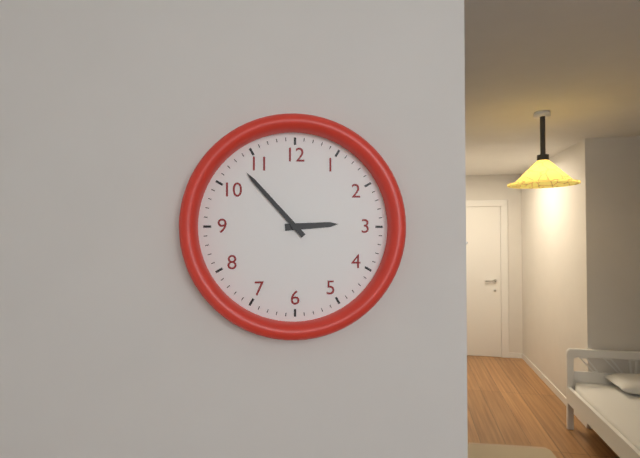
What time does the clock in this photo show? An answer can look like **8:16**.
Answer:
**2:53**
